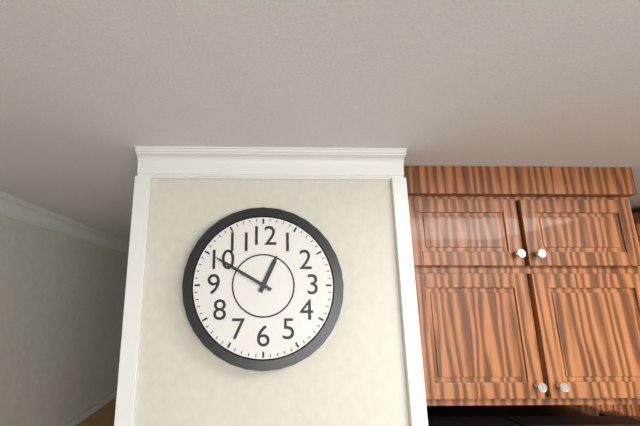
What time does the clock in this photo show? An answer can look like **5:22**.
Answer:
**12:50**
